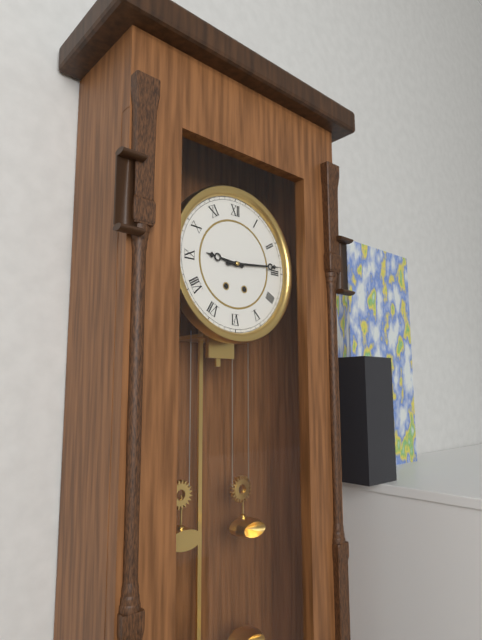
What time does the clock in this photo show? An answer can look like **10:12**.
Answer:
**9:14**
